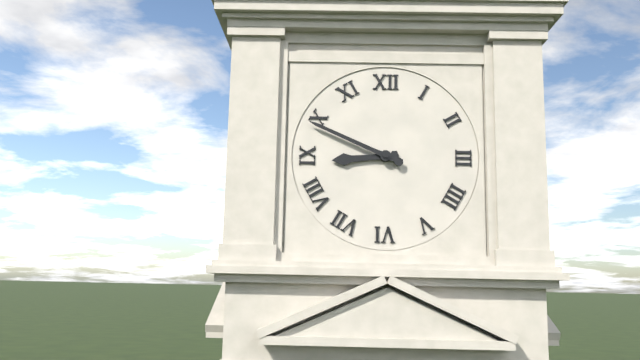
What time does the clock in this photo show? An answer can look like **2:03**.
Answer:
**8:49**
